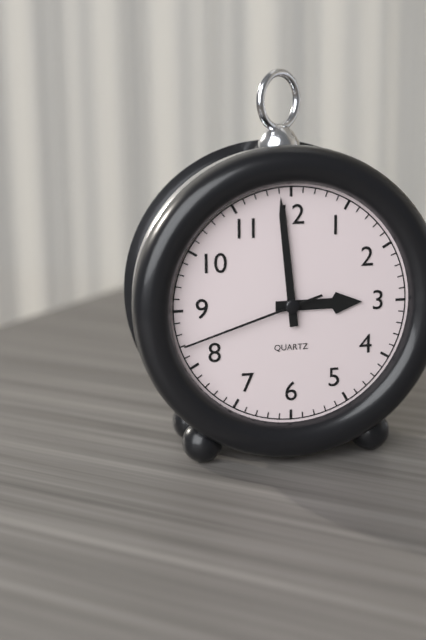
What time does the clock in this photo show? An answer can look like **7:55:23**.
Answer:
**2:59:42**
